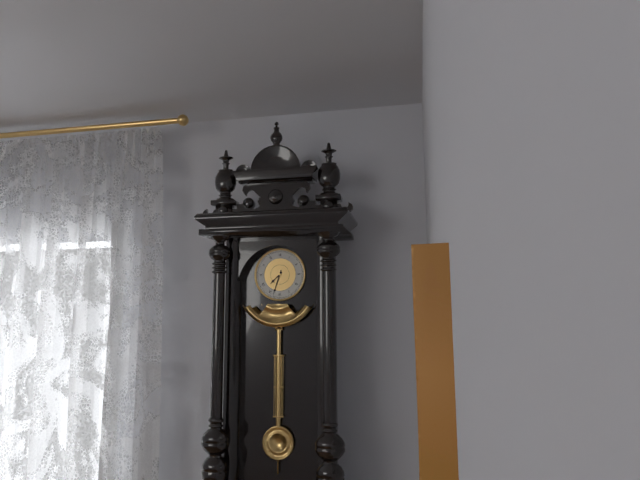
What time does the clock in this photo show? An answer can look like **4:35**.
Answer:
**7:33**
